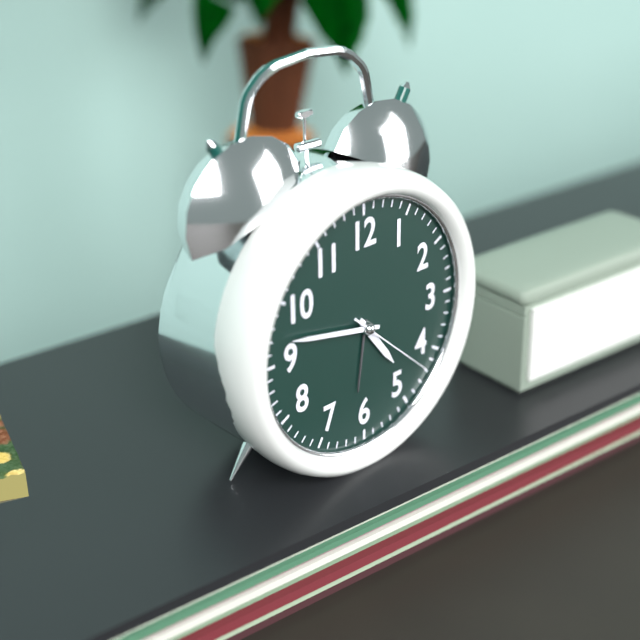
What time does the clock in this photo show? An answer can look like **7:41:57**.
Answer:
**4:47:22**
